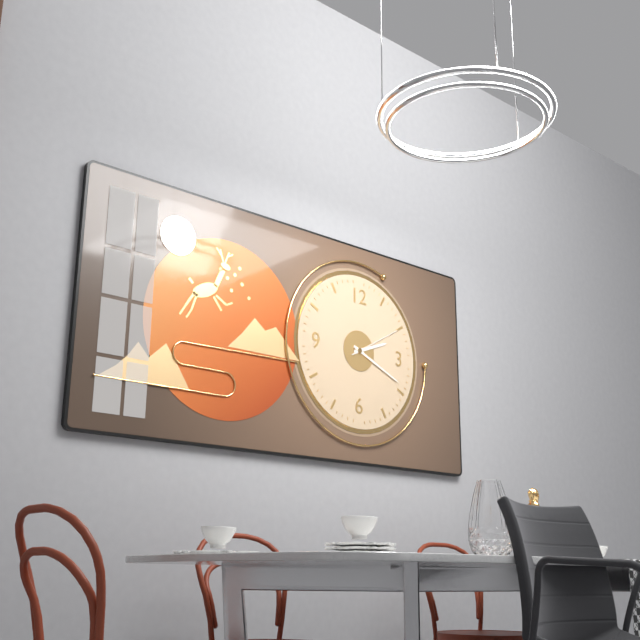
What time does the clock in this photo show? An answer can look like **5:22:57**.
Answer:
**2:19:10**
